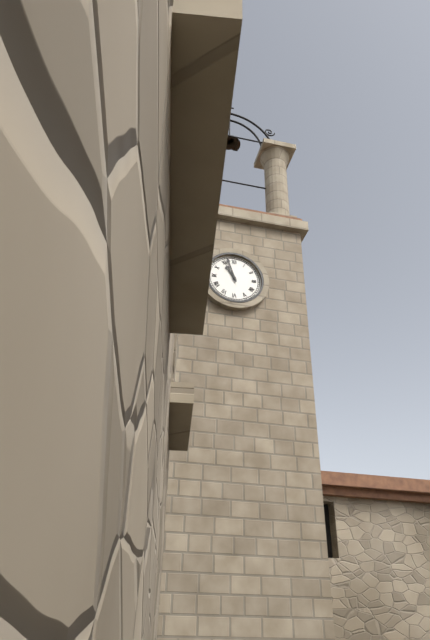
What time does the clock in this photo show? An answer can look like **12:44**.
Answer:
**10:57**
